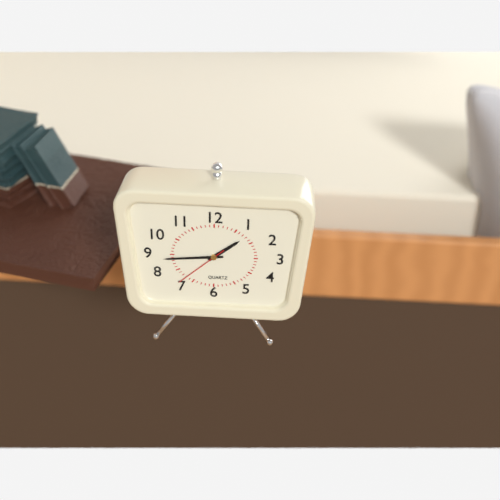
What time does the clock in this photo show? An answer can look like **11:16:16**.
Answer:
**1:44:38**
